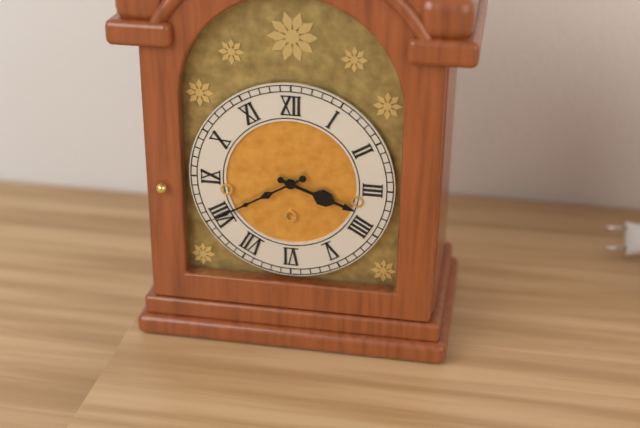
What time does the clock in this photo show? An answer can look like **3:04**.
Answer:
**3:40**
